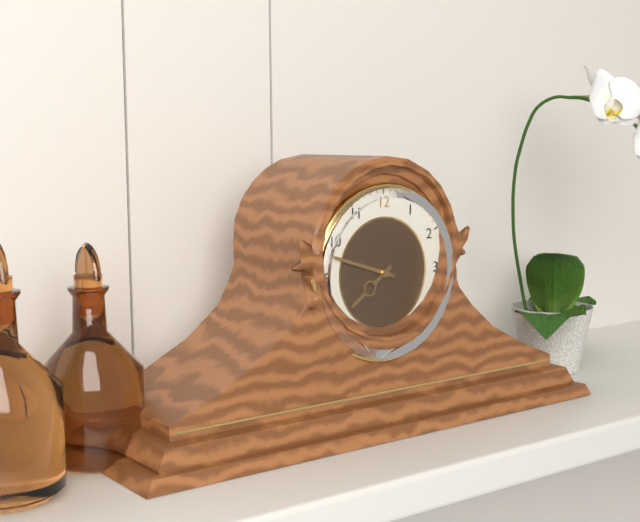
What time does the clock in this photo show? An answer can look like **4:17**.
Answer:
**7:48**
